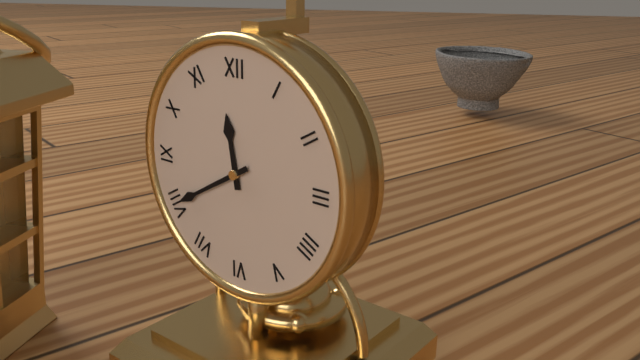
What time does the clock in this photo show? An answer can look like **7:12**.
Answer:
**11:40**
